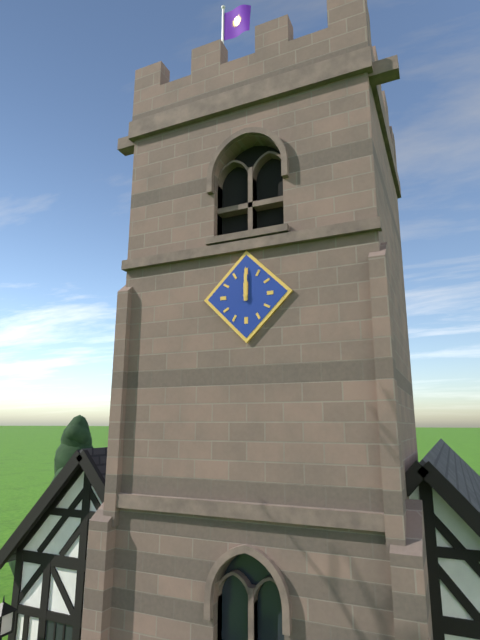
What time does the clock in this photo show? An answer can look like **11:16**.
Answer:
**12:00**
